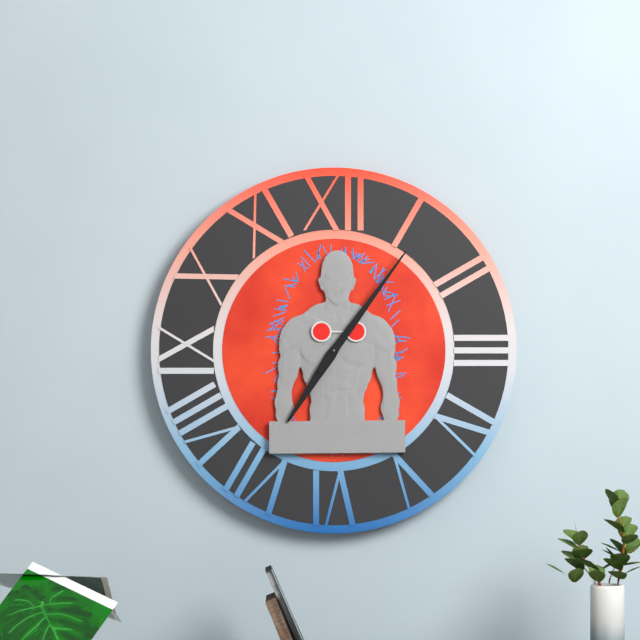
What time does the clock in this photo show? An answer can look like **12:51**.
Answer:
**7:06**
